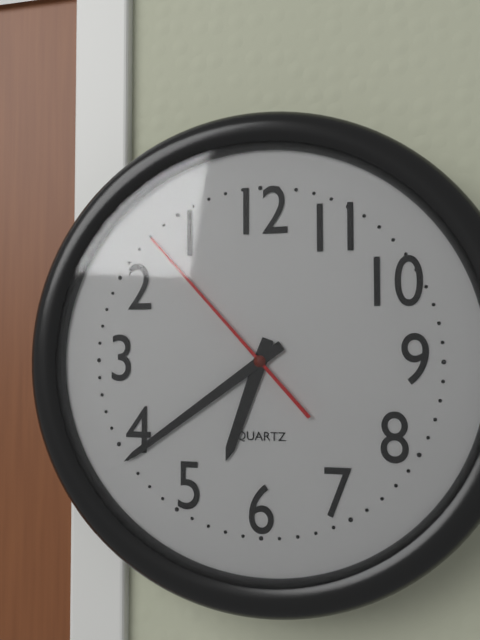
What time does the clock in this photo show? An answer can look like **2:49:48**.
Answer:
**6:39:53**
